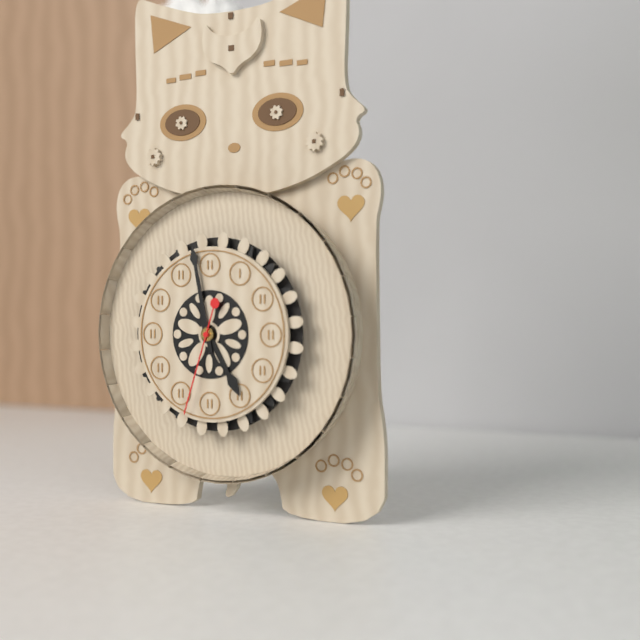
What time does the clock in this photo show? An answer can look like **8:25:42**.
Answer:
**4:58:33**
